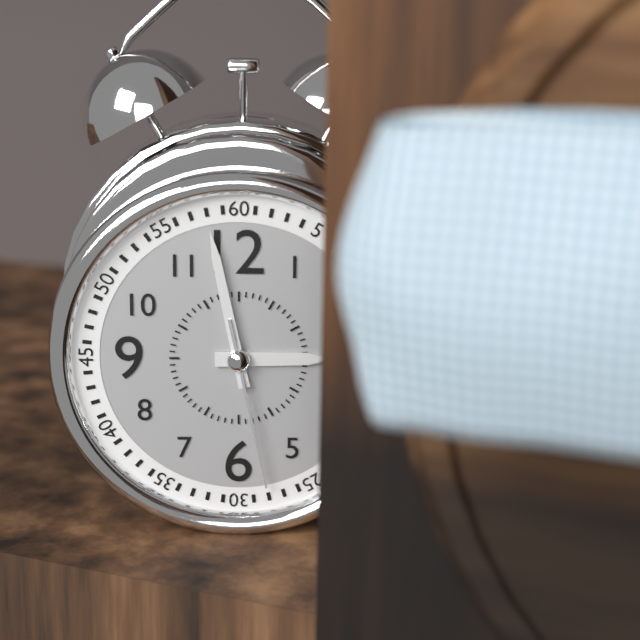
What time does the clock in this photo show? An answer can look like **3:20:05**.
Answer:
**2:58:28**
